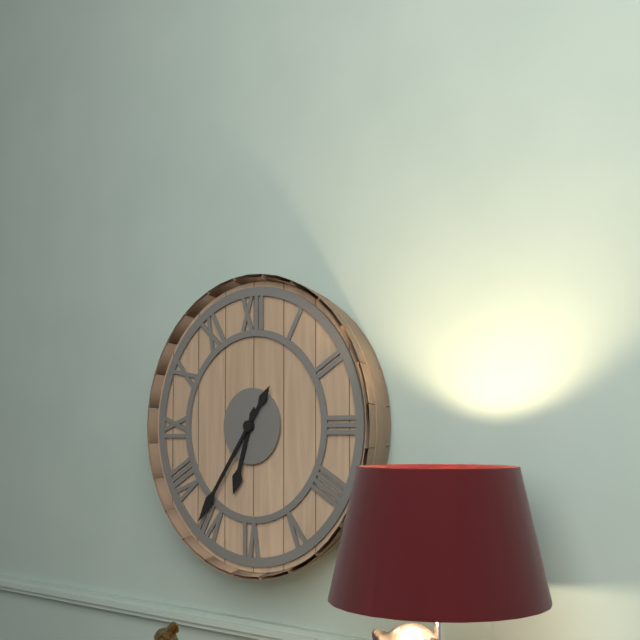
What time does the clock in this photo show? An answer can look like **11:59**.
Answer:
**6:36**
